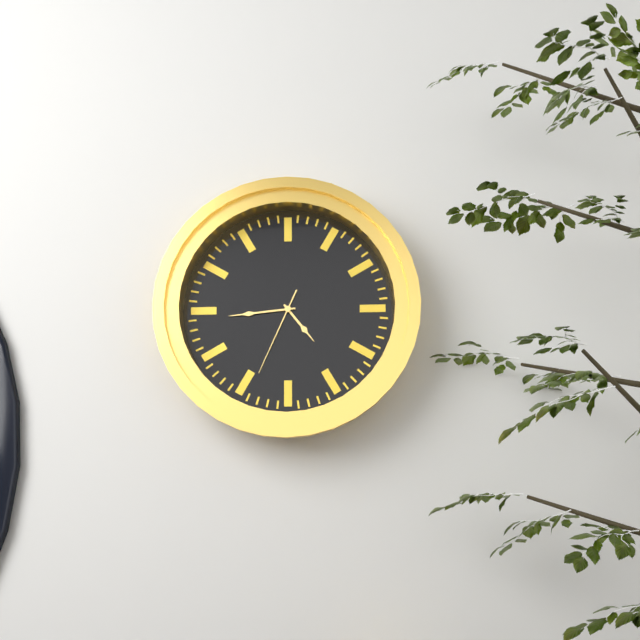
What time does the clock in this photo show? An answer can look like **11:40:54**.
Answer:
**4:44:34**
